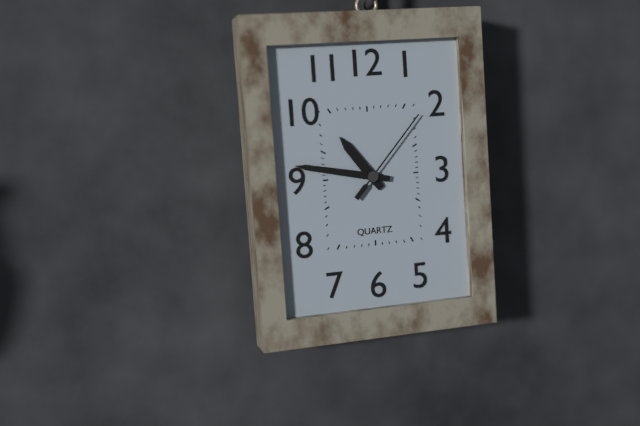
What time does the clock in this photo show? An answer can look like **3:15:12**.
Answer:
**10:47:07**
